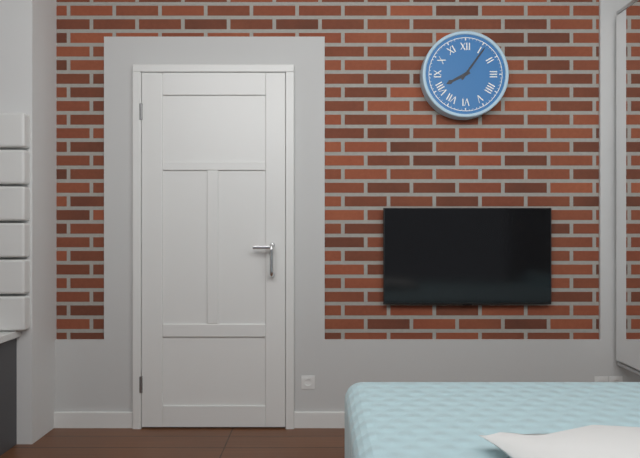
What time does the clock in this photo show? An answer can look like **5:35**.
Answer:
**8:06**
